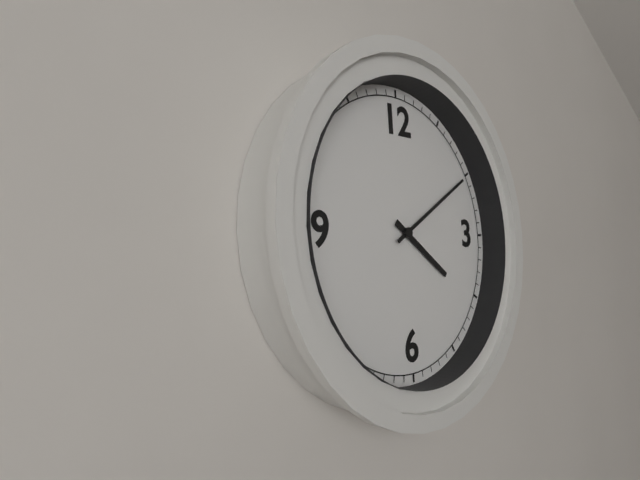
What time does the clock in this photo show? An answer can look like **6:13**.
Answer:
**4:10**
